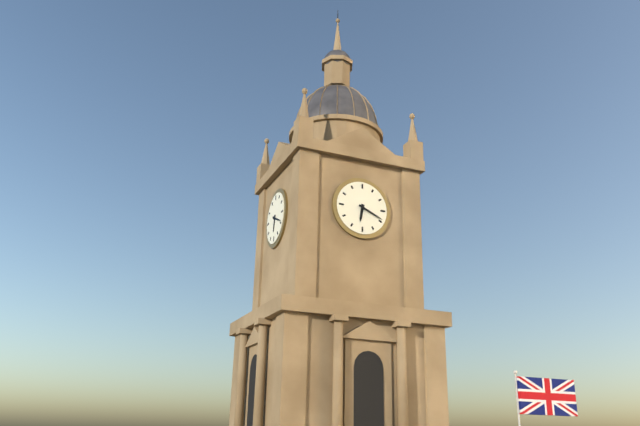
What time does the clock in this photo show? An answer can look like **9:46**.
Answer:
**6:19**
